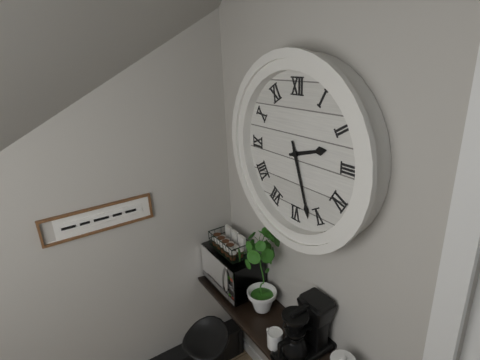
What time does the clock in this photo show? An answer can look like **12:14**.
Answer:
**2:27**
